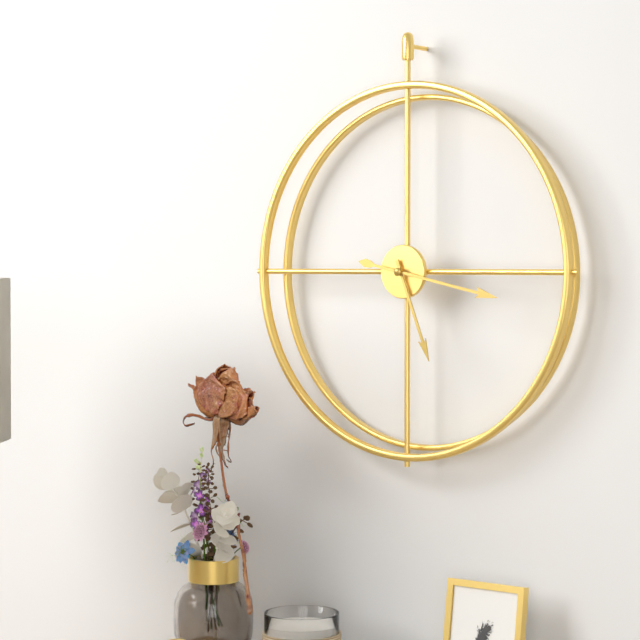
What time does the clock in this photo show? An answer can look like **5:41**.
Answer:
**5:17**
